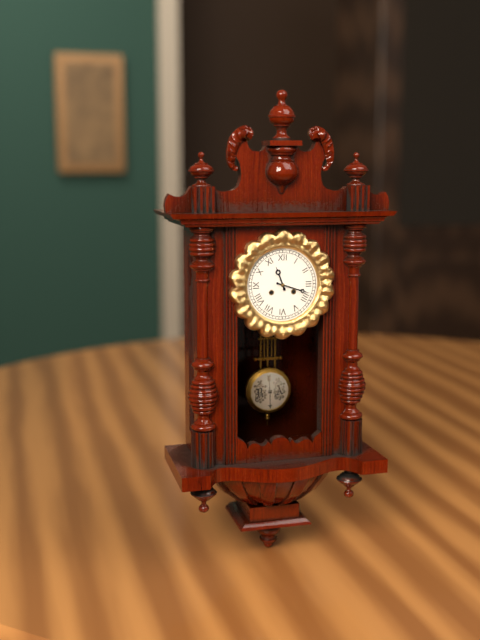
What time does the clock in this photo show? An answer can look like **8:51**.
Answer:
**11:18**
